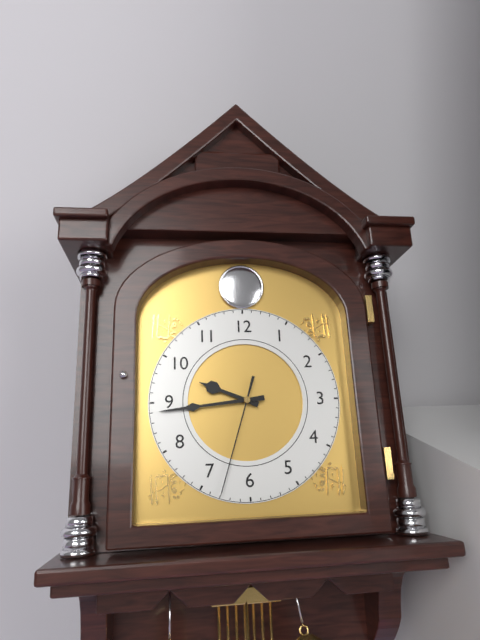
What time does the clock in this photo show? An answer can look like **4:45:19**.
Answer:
**9:44:33**
